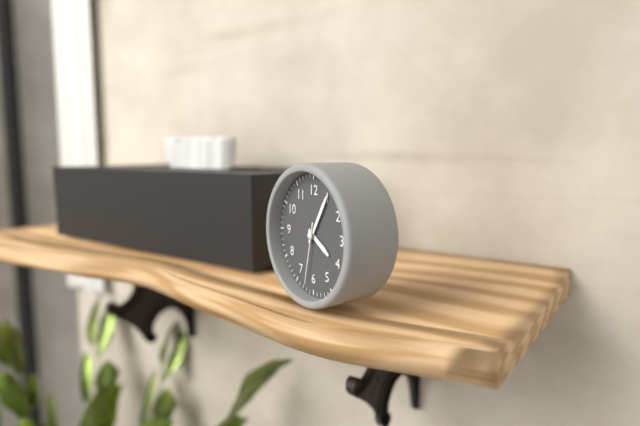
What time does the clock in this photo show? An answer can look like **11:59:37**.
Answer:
**4:05:32**
